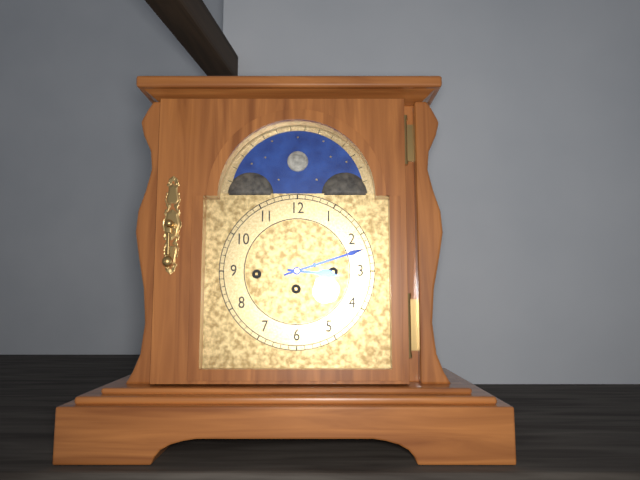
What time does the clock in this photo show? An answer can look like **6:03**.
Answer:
**3:12**
